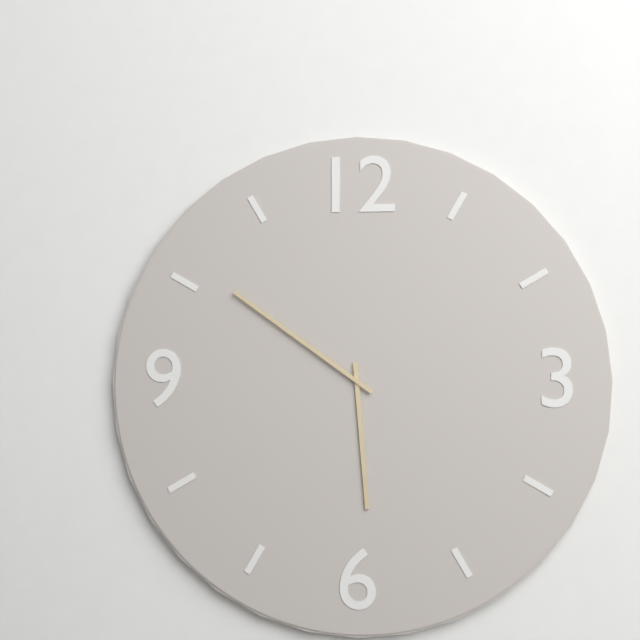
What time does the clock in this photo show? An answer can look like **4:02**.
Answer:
**5:51**
